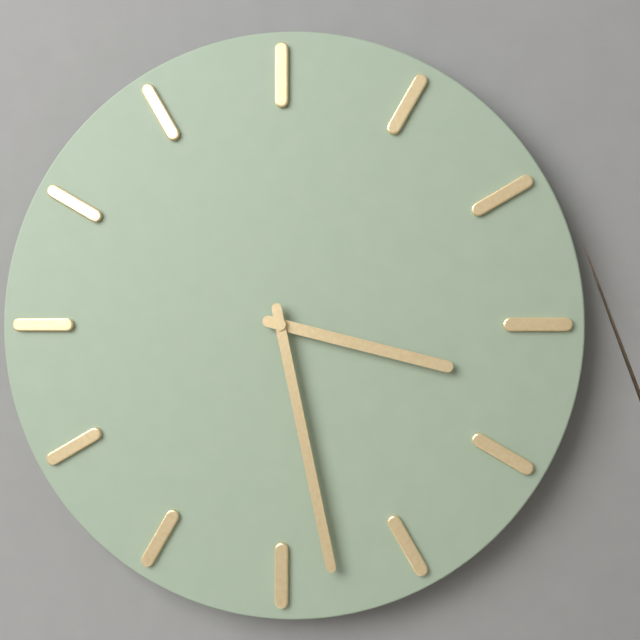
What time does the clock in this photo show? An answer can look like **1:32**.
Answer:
**3:28**
